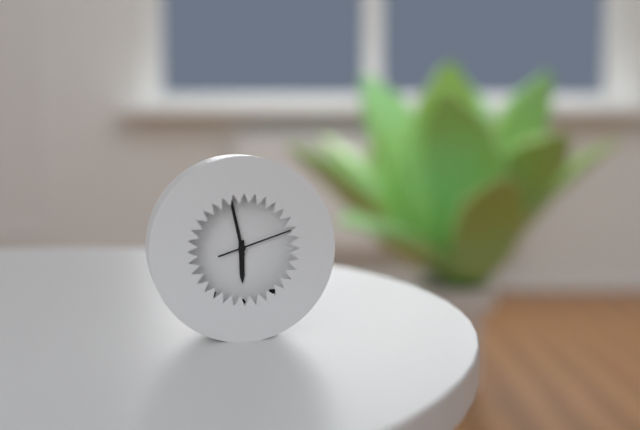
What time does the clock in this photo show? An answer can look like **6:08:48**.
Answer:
**5:58:12**
